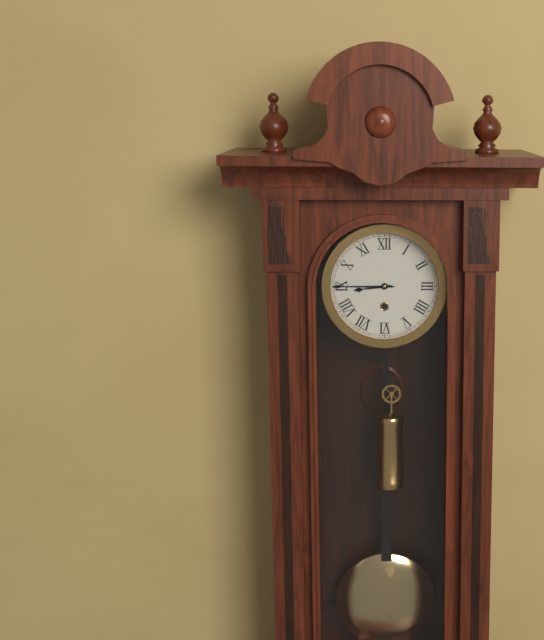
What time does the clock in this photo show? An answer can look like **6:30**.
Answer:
**8:45**
